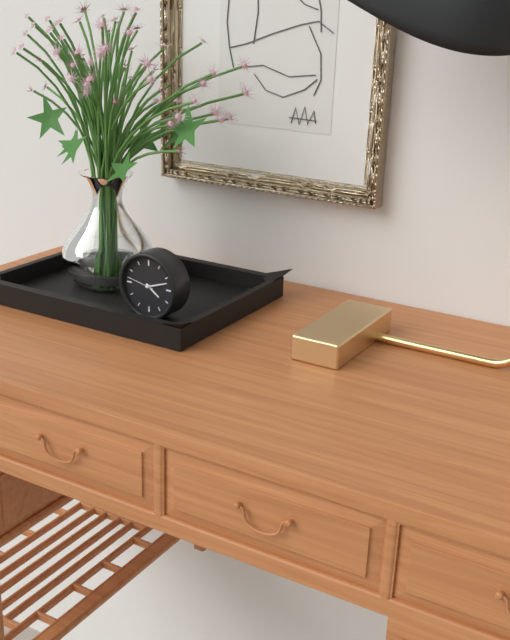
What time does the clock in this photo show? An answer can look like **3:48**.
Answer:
**4:12**
